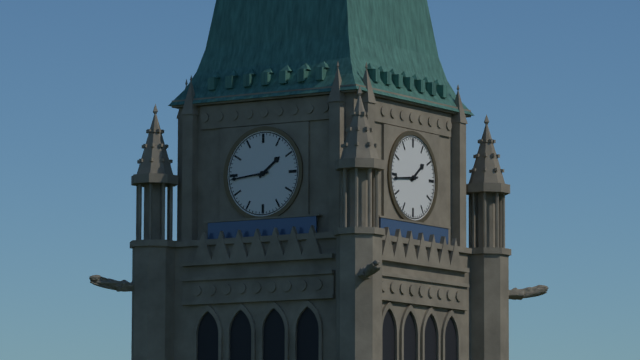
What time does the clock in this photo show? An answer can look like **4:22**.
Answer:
**1:44**
